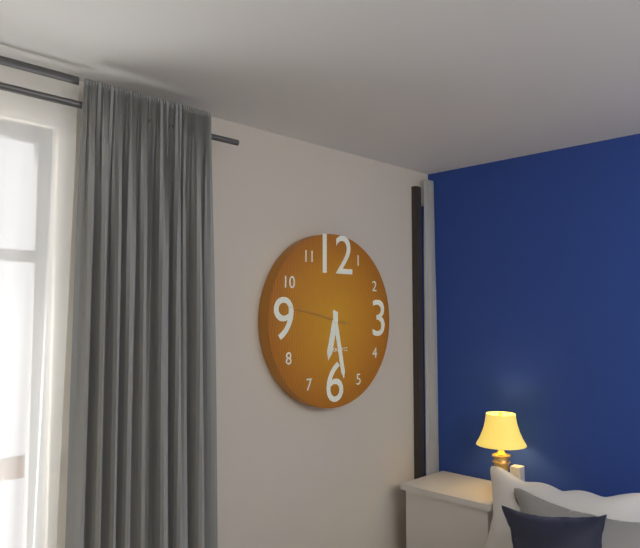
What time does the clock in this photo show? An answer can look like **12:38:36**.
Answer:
**6:28:47**
